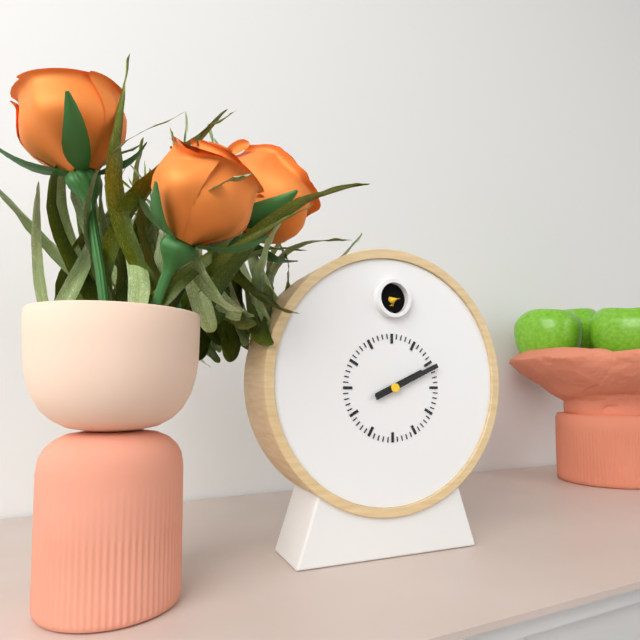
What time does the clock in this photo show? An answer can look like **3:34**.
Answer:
**2:11**
